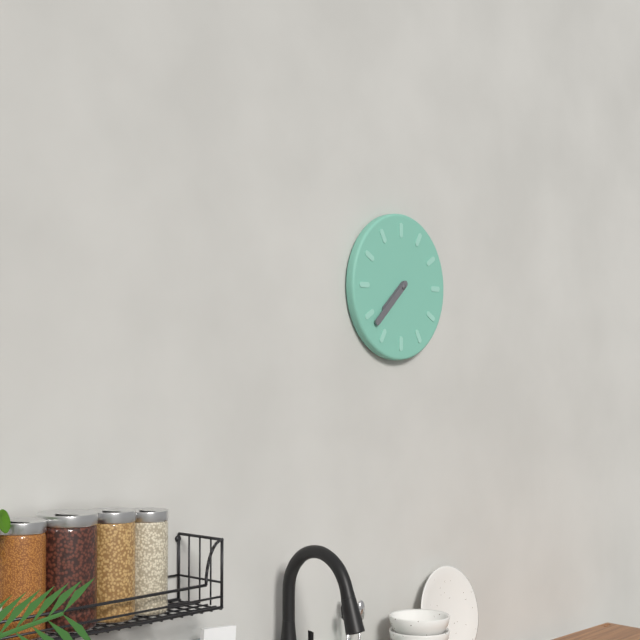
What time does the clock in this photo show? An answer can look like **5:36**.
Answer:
**7:38**
